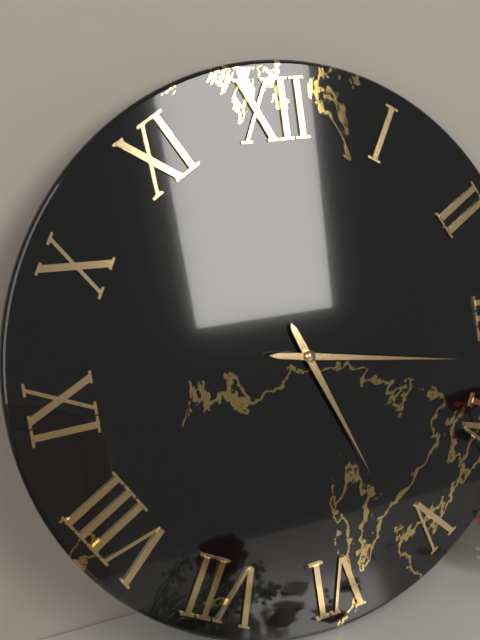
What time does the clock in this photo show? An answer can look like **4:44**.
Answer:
**5:17**
